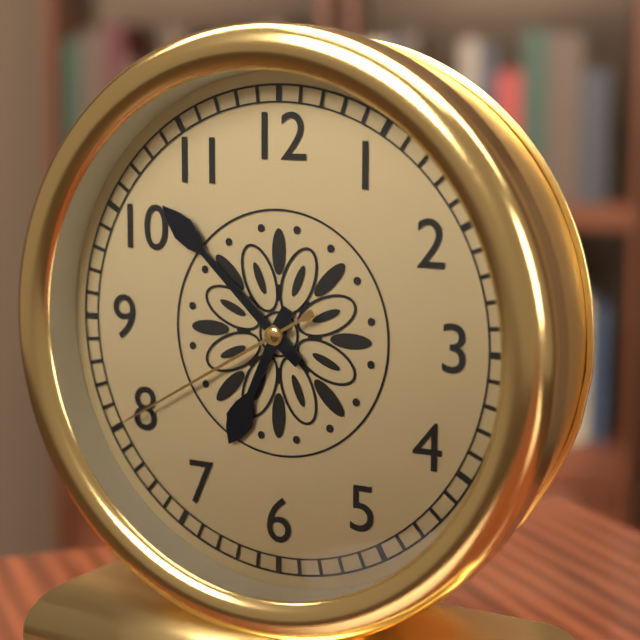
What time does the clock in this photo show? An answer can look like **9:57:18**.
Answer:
**6:52:40**
